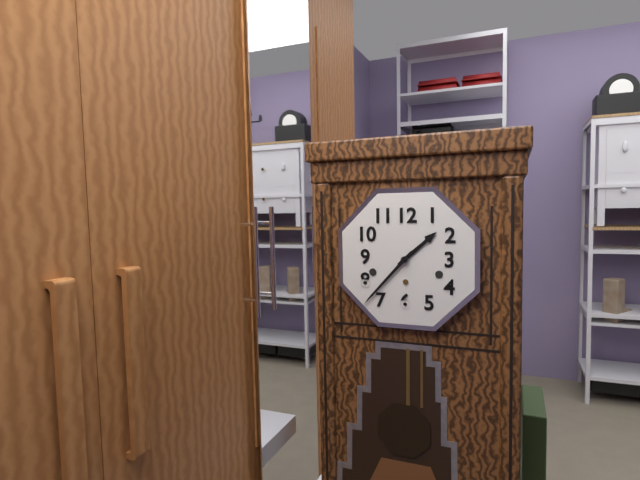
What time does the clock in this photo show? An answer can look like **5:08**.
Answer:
**1:37**
